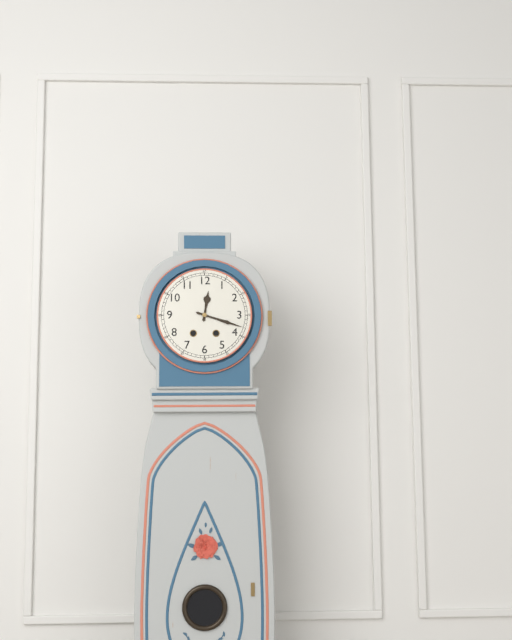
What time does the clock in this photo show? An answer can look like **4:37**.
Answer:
**12:18**
